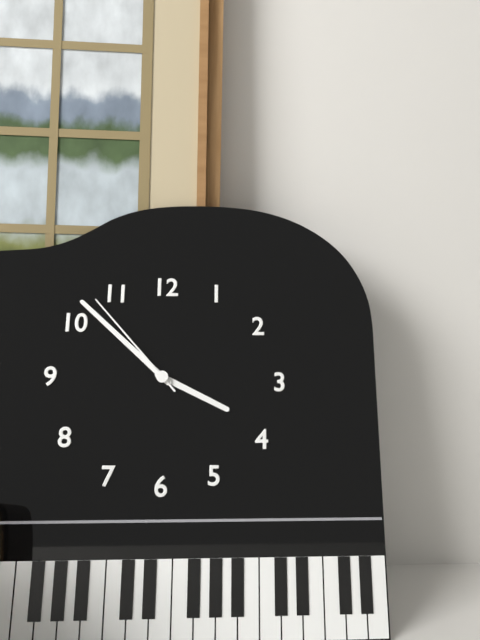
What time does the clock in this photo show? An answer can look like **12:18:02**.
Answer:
**3:52:53**
